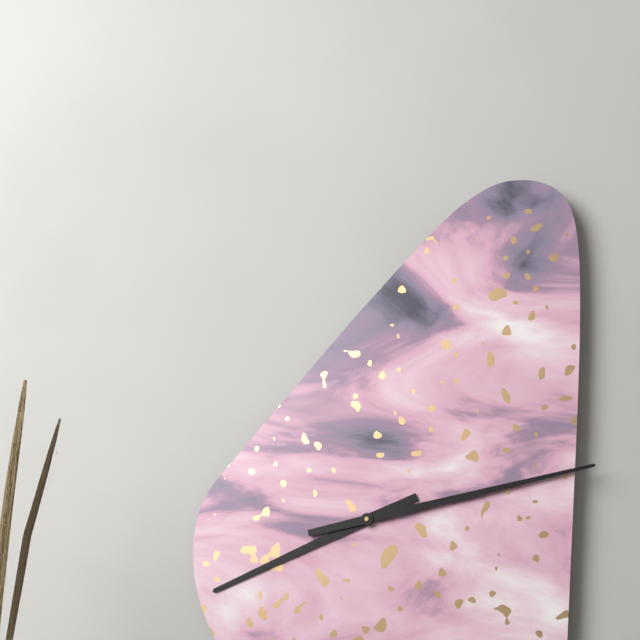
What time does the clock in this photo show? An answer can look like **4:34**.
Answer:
**8:13**
